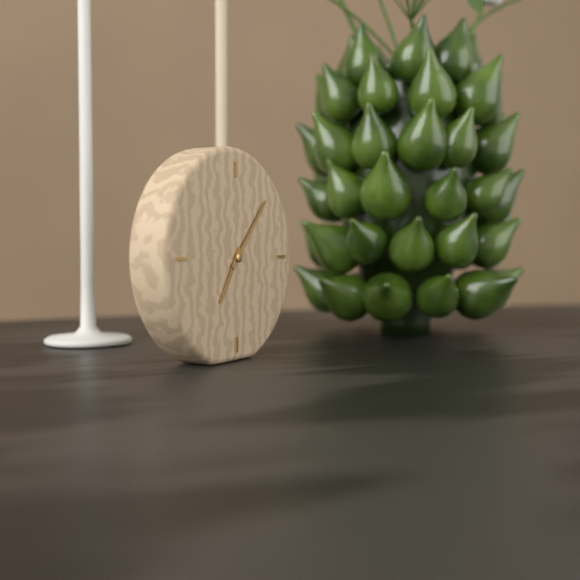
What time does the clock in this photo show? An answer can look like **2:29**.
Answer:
**7:07**
